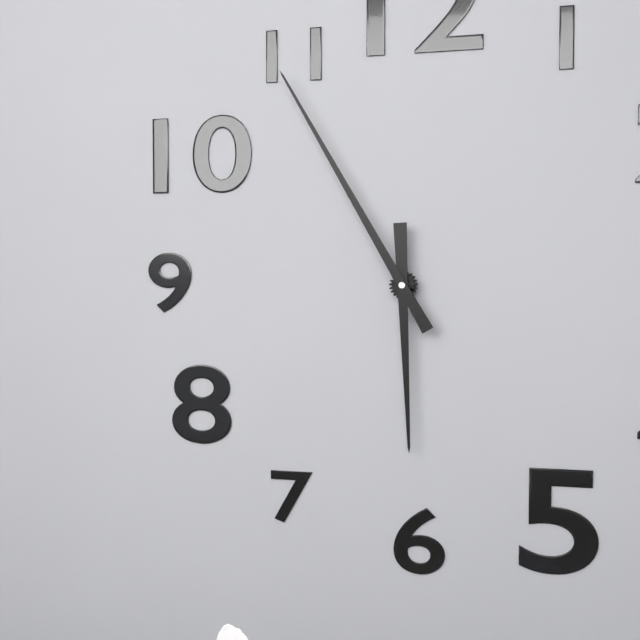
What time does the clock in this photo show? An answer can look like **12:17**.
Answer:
**5:55**
